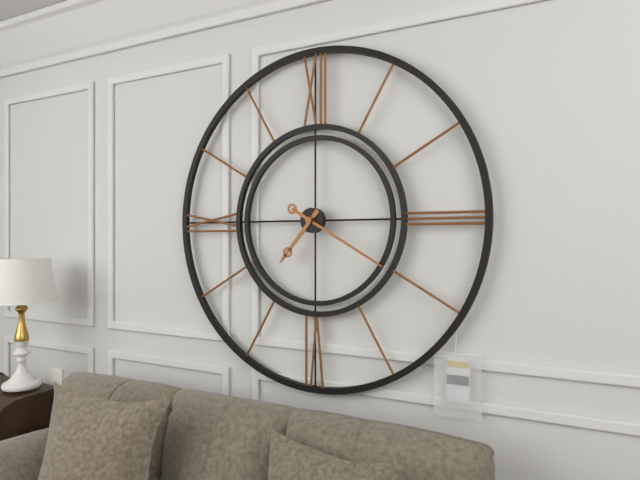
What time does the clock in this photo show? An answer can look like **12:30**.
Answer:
**7:20**
